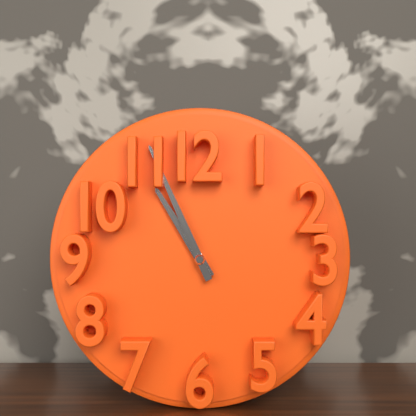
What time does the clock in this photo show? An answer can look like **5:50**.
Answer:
**10:56**
